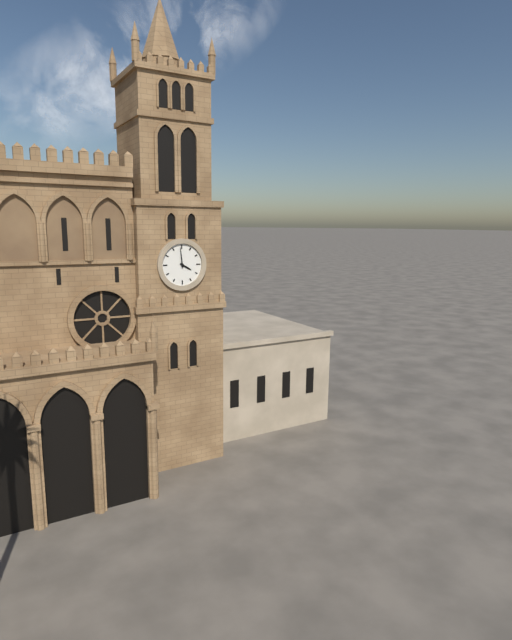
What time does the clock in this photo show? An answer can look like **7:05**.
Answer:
**3:59**
